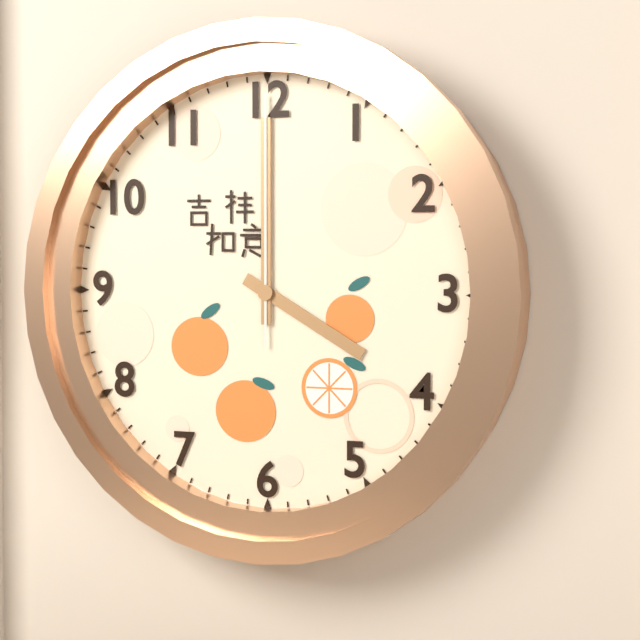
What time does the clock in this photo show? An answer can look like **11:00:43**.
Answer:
**4:00:00**
